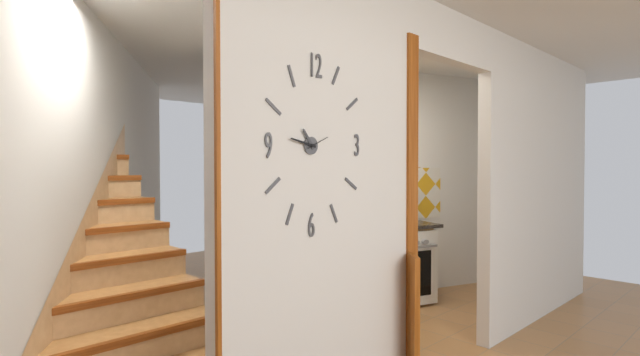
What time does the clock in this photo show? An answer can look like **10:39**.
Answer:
**10:47**
